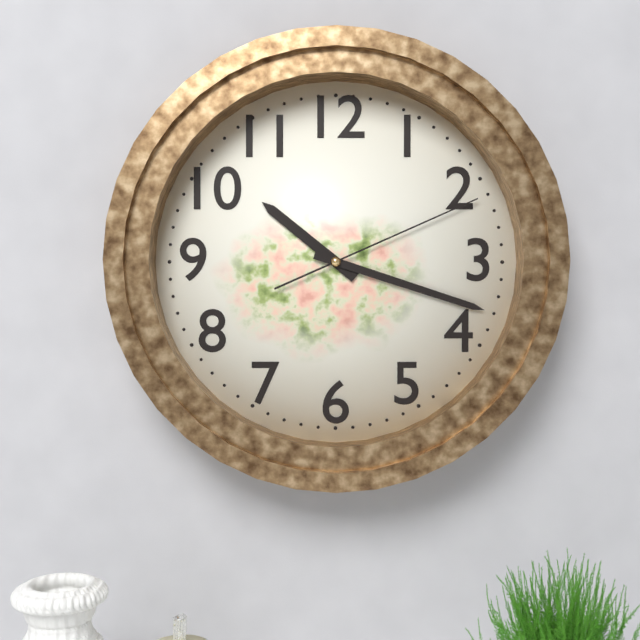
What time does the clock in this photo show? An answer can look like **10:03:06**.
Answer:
**10:18:11**
